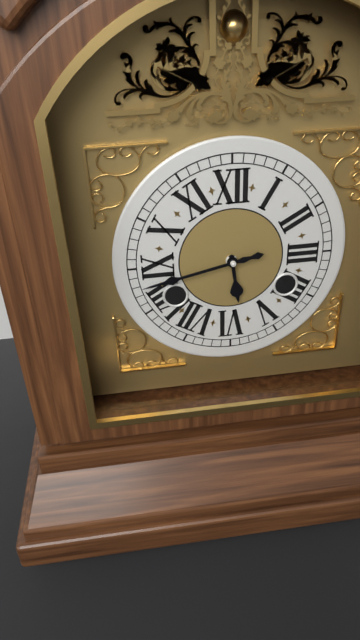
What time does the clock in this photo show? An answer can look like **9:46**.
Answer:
**5:43**
